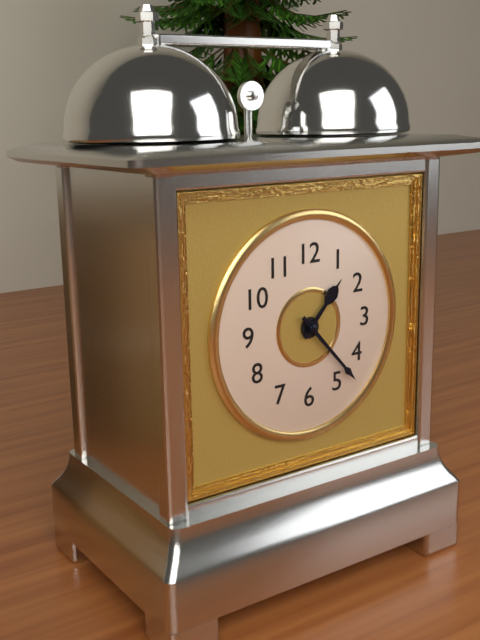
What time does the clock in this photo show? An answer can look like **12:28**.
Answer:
**1:23**
